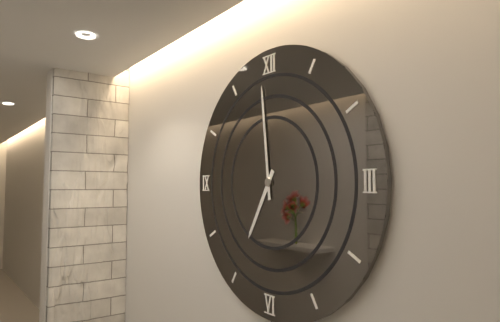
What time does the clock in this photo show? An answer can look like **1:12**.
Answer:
**6:59**
